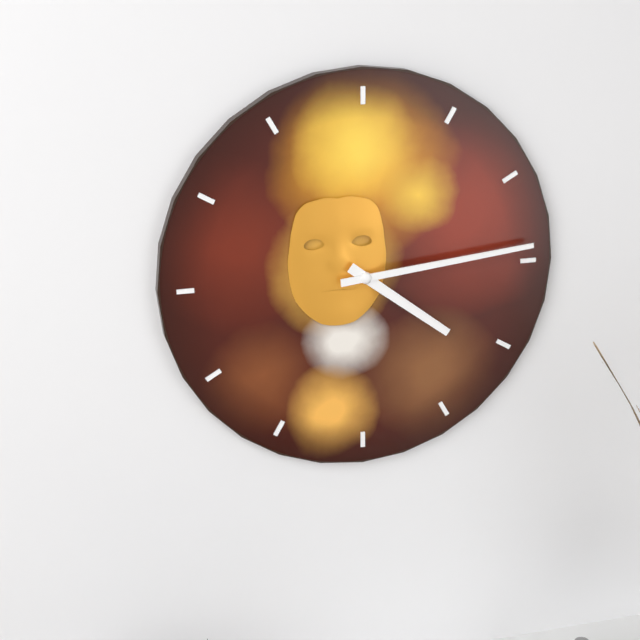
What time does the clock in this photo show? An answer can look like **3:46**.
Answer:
**4:14**
